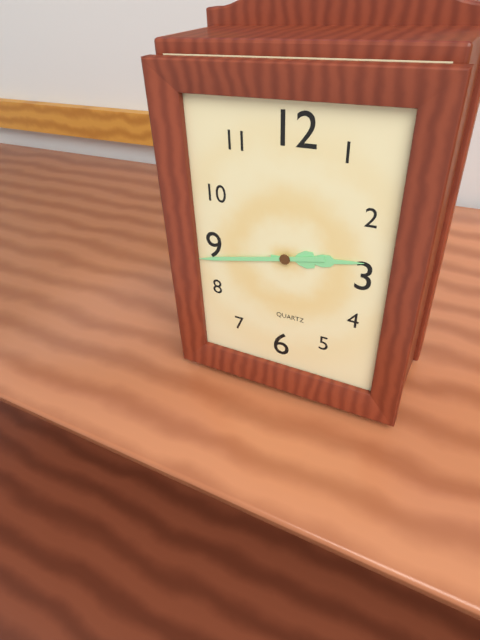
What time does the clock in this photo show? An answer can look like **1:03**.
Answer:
**2:43**
